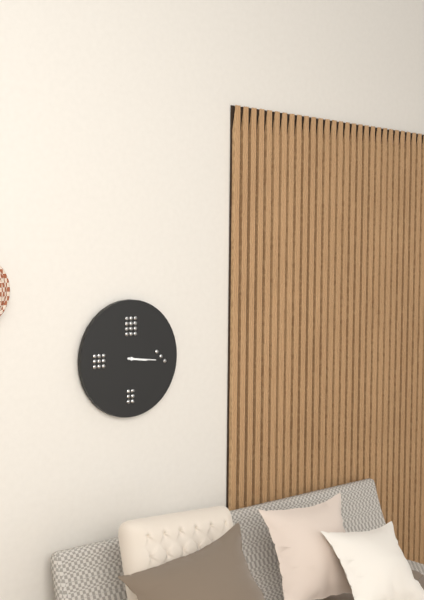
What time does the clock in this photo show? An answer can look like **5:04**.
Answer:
**3:16**
